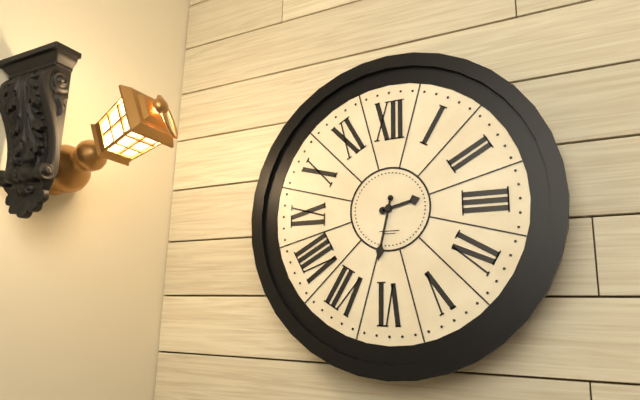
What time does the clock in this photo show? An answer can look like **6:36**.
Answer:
**2:32**
